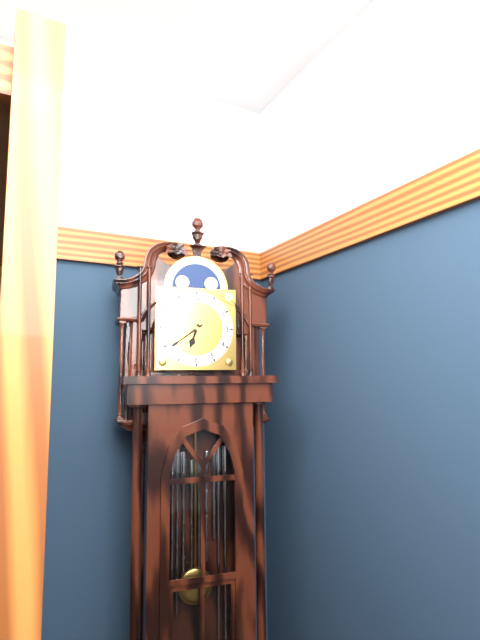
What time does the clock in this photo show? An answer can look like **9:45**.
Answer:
**6:39**
